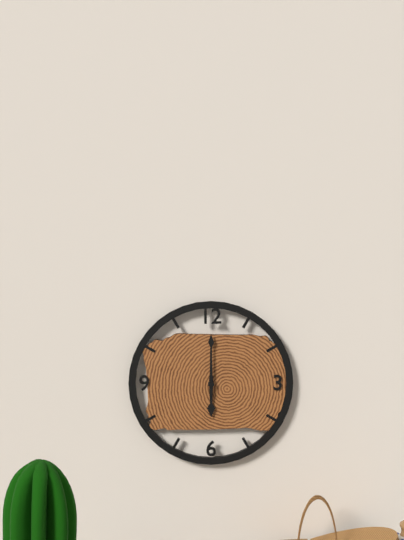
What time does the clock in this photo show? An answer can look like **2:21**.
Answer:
**6:00**
